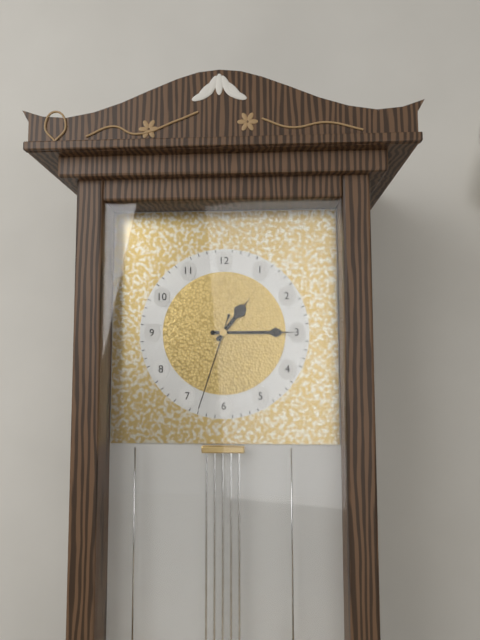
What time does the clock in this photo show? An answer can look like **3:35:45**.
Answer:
**1:15:33**
